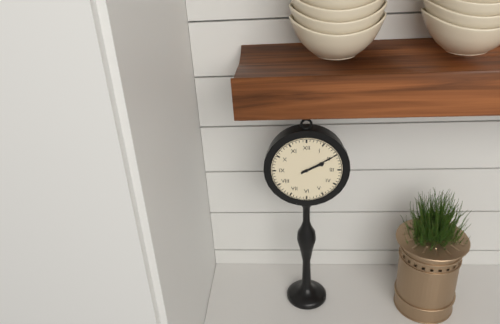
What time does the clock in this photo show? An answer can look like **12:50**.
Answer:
**2:10**
